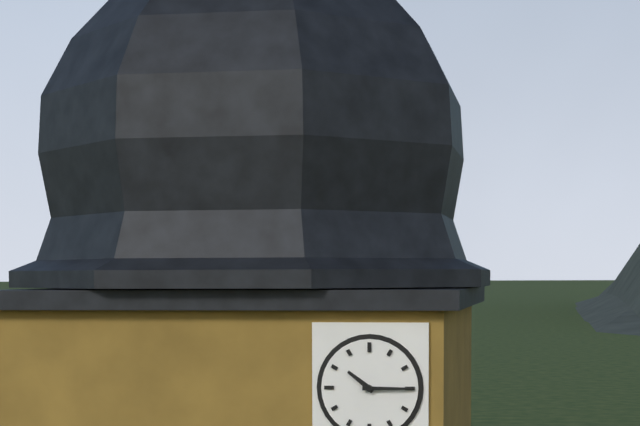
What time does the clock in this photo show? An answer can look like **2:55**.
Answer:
**10:15**
